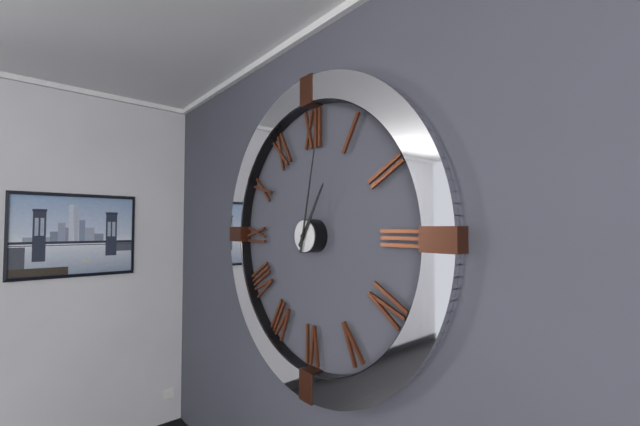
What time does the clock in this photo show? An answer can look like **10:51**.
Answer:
**1:02**
